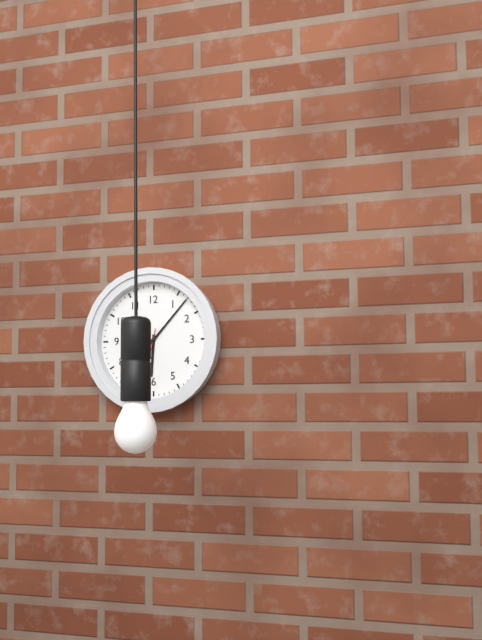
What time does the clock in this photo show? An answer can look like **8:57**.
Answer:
**6:07**
